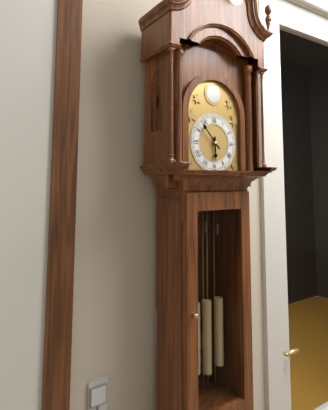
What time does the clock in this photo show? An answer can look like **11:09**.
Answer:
**5:53**
